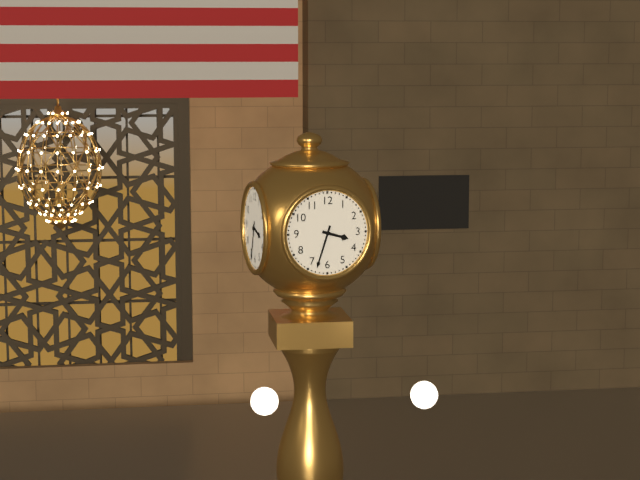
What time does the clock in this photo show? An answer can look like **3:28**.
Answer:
**3:33**
